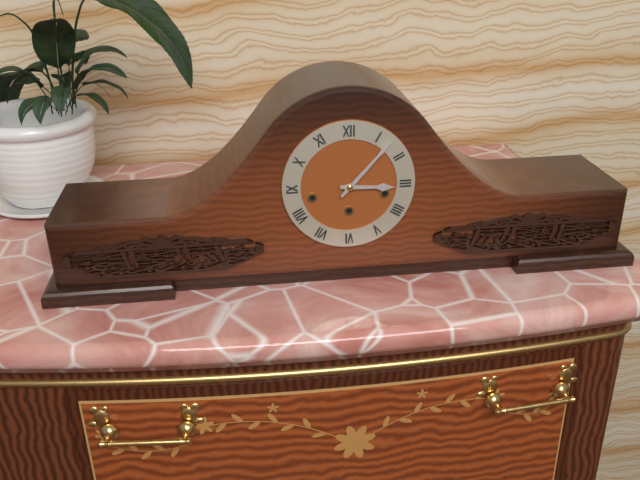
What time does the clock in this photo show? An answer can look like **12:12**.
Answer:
**3:07**
